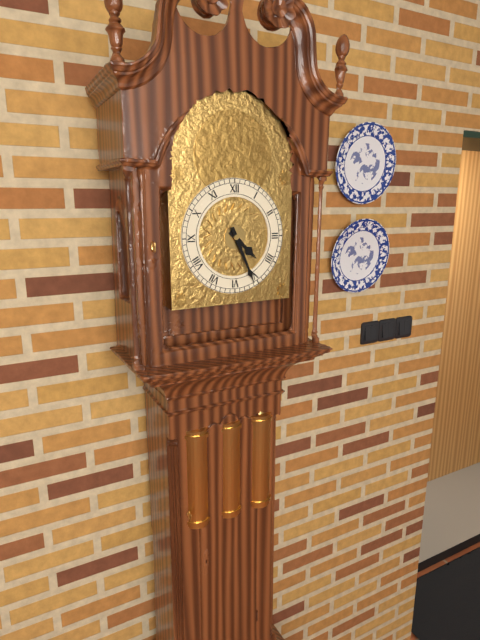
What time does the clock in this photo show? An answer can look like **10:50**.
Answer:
**4:26**
